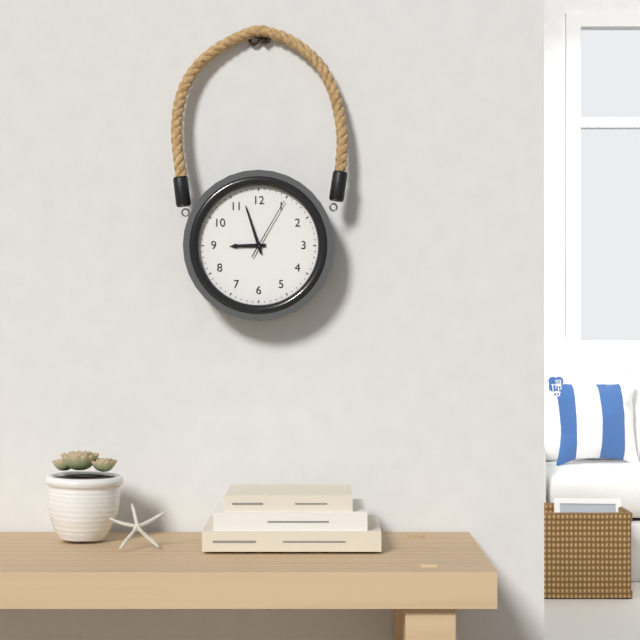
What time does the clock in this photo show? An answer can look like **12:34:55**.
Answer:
**8:57:05**
